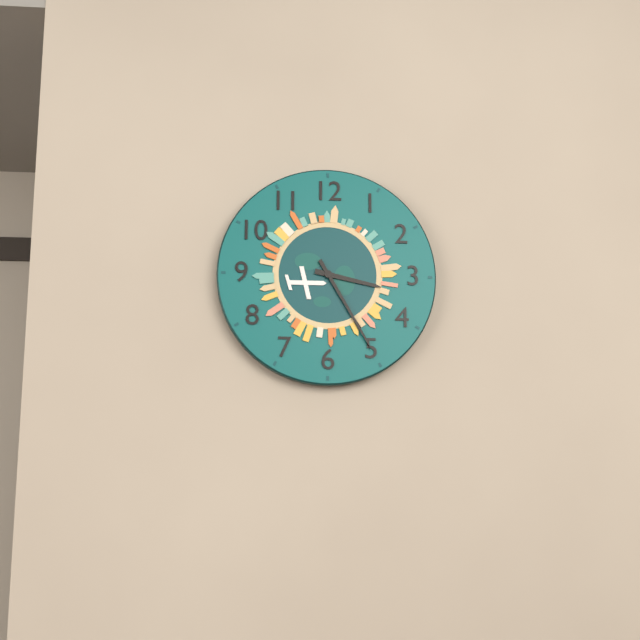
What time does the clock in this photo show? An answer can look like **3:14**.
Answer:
**3:25**
